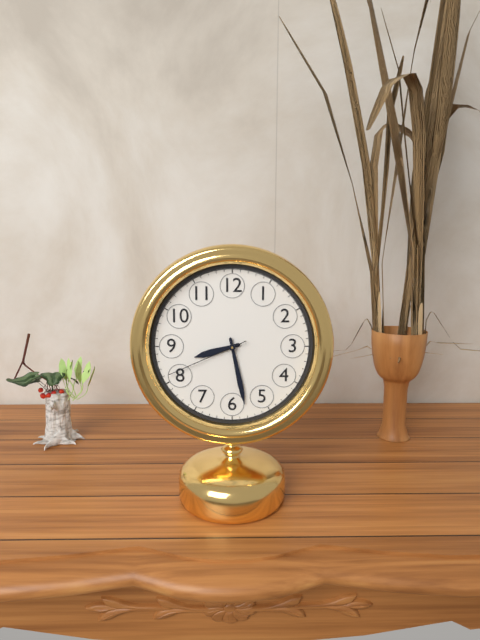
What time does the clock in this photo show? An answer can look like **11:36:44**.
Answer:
**8:28:41**
